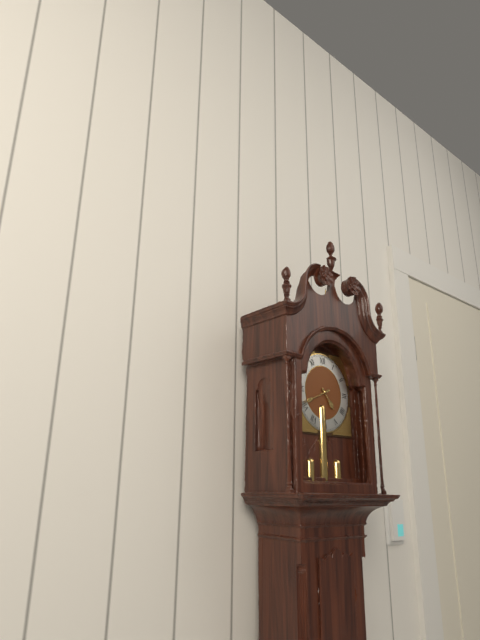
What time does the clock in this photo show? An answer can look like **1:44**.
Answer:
**4:41**
